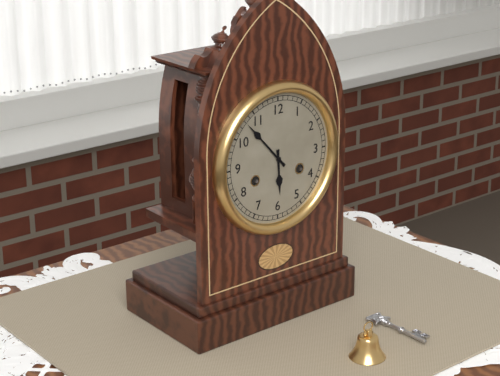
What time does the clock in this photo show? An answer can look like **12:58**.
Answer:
**5:53**
